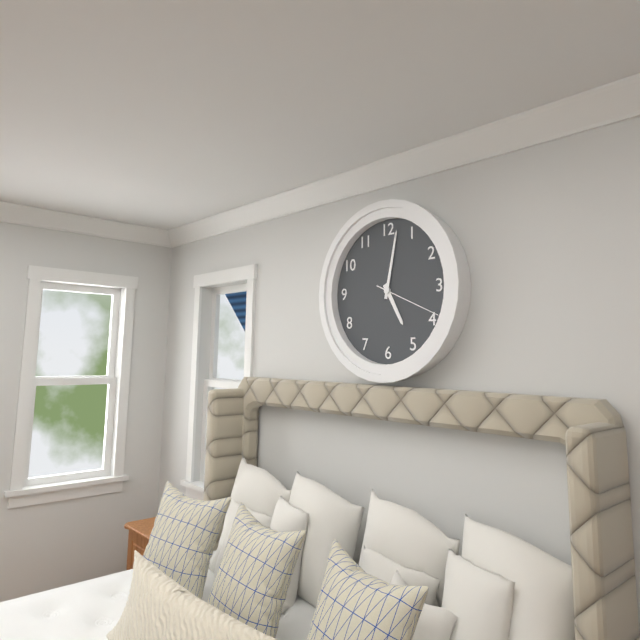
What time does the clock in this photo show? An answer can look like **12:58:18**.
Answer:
**5:02:19**
